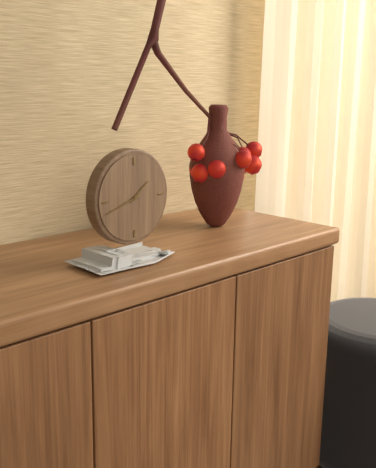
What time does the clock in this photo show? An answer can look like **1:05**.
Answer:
**1:42**
